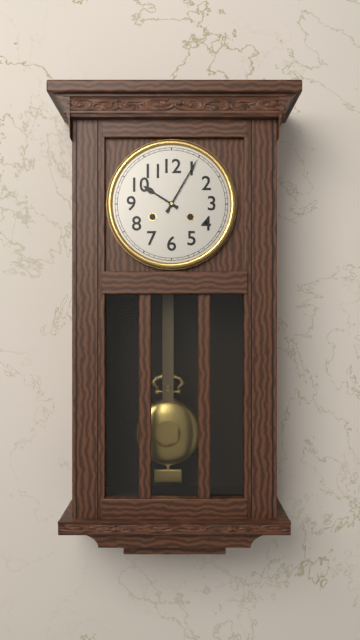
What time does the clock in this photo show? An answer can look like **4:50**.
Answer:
**10:05**
